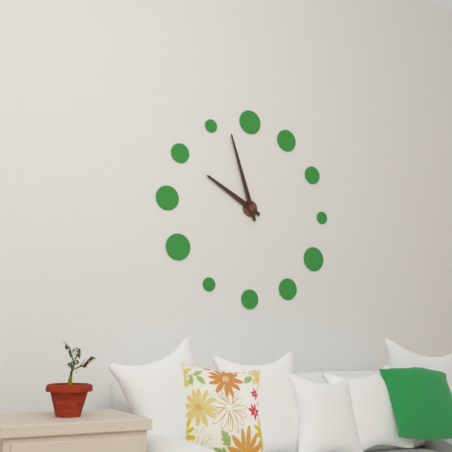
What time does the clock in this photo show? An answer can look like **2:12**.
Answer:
**9:57**
